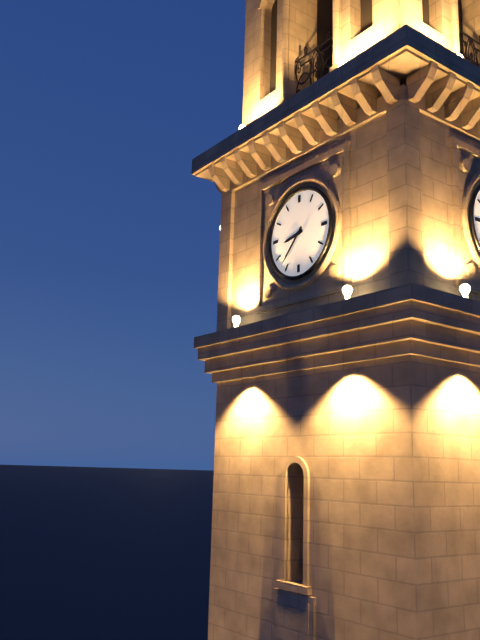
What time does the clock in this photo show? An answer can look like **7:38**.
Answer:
**8:37**
